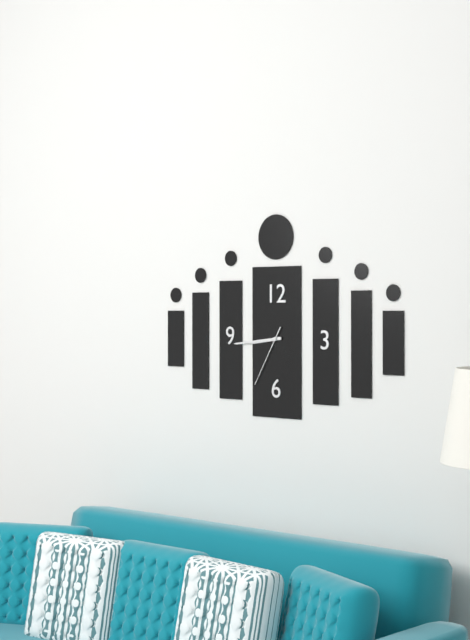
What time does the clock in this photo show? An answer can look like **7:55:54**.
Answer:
**8:44:35**
